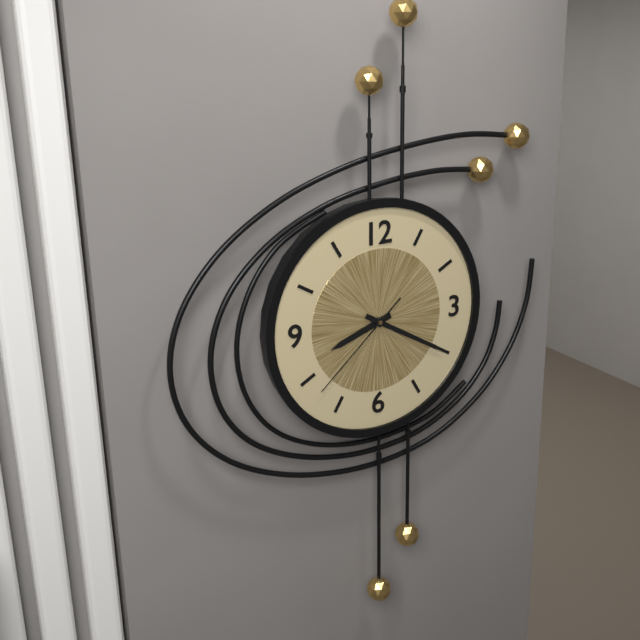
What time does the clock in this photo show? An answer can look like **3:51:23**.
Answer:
**8:20:38**
